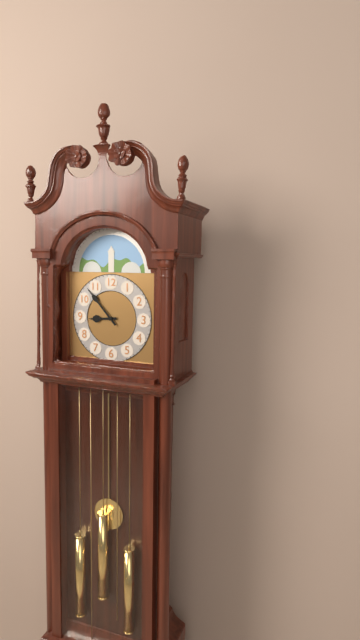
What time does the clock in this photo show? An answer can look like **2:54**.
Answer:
**8:53**
